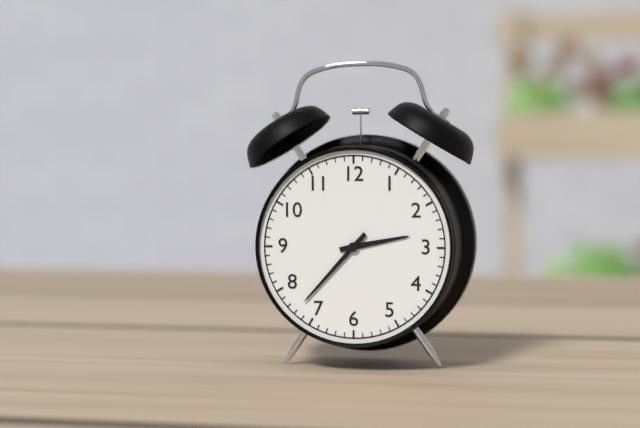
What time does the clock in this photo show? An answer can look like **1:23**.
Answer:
**2:37**
